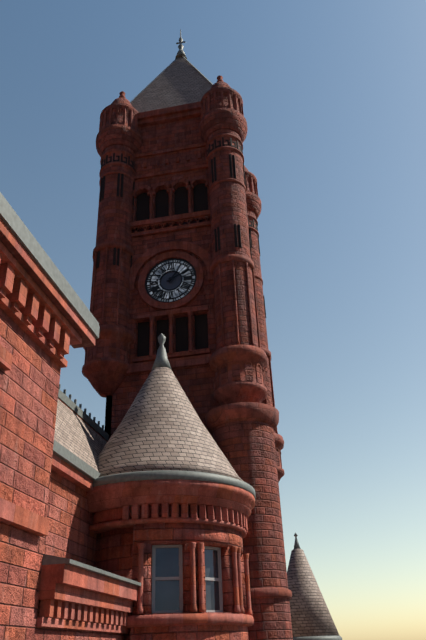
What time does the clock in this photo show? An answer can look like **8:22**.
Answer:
**1:11**
